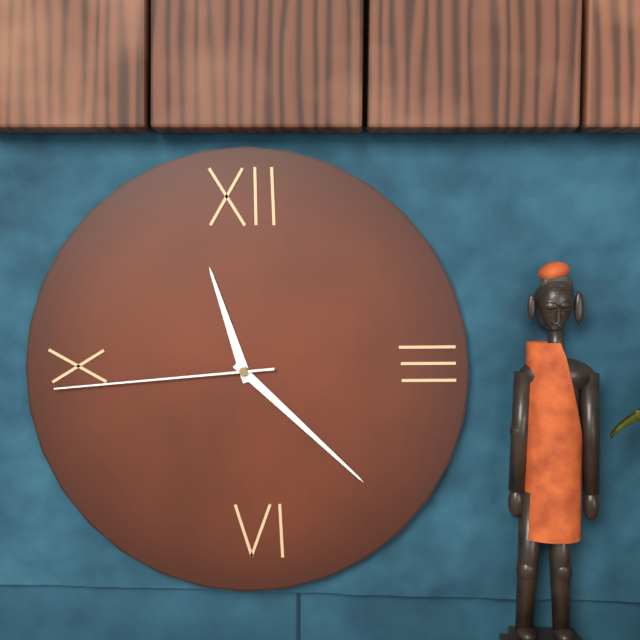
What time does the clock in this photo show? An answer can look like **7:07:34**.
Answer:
**11:22:44**
